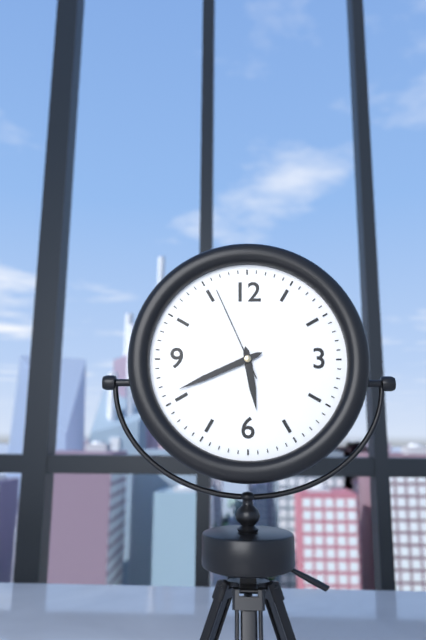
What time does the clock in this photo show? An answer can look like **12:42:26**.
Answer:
**5:41:56**
